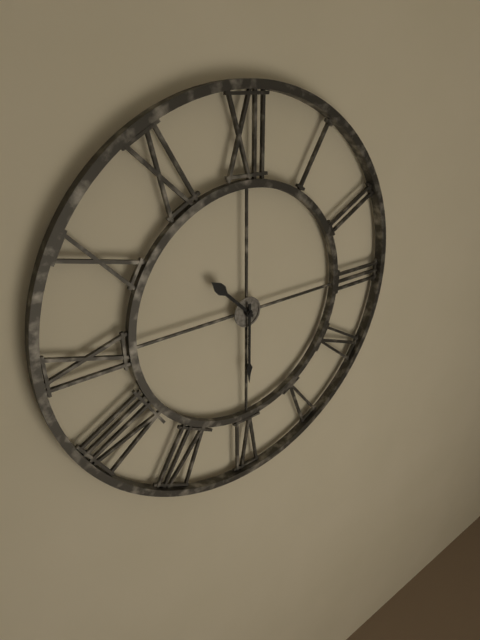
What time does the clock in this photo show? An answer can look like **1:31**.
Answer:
**10:30**
